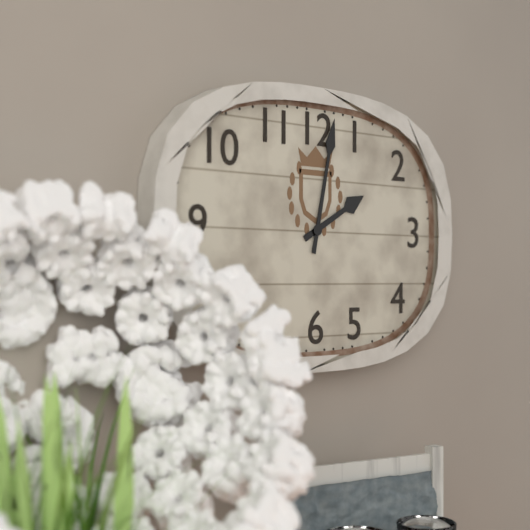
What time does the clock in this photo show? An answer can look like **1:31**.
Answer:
**2:02**
